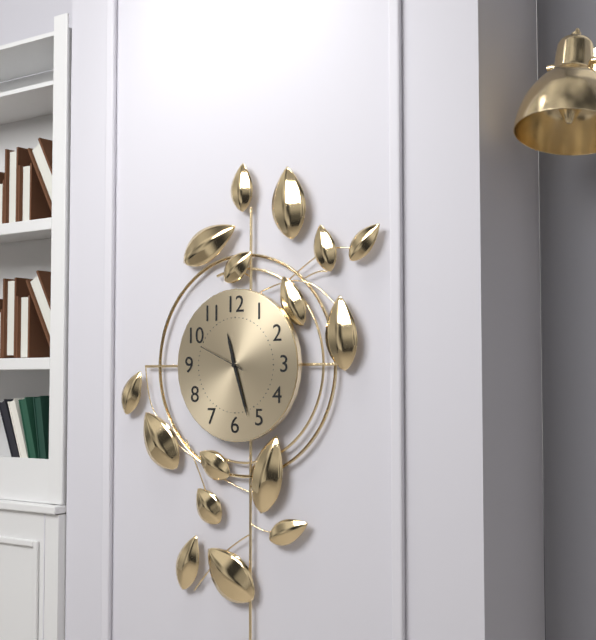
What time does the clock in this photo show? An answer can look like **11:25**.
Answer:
**11:27**
